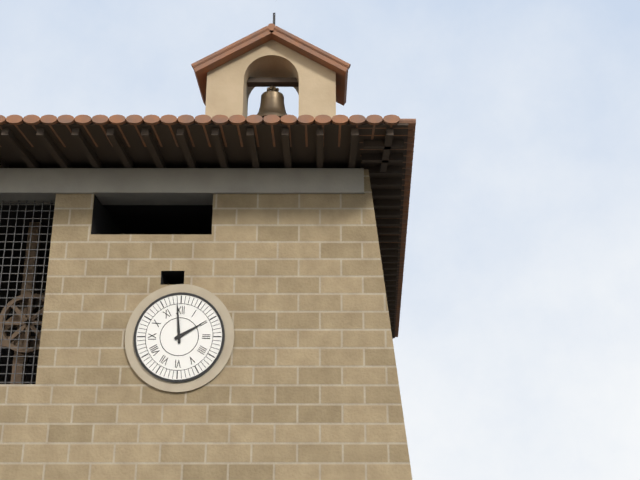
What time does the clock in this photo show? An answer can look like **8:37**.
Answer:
**1:59**
